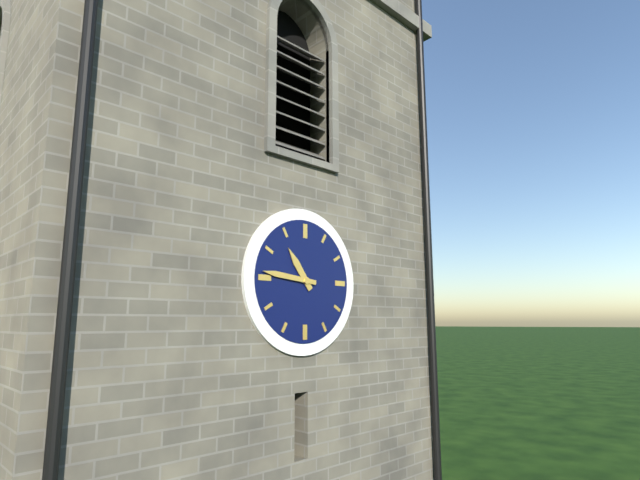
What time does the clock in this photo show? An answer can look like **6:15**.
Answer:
**10:46**
